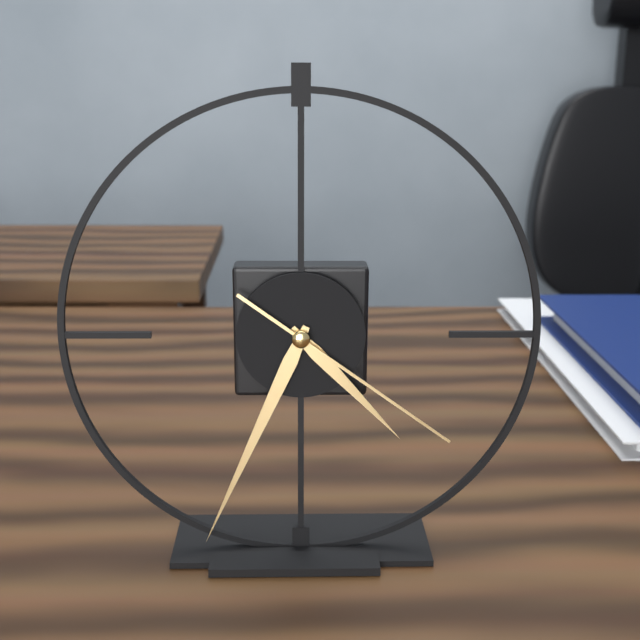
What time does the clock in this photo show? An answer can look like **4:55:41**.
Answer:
**4:34:21**
